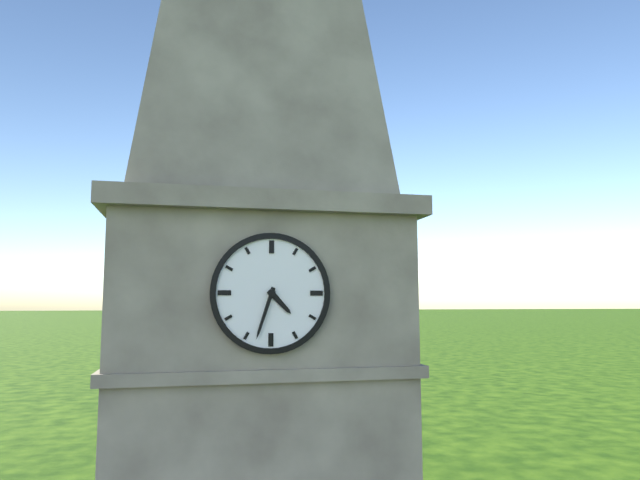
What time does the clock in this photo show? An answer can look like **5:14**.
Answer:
**4:33**
